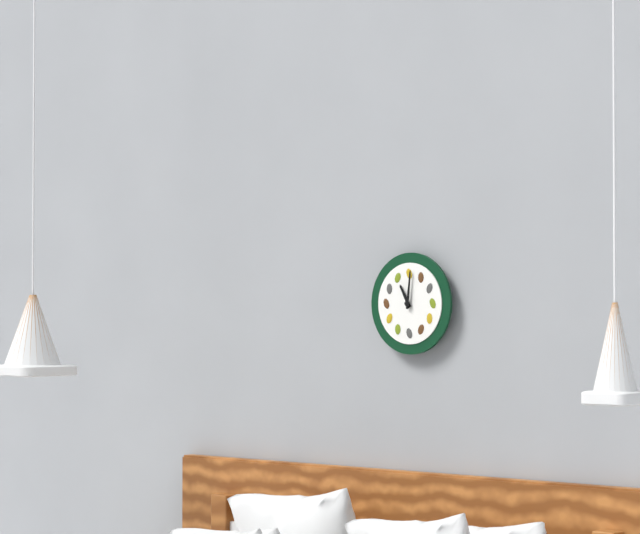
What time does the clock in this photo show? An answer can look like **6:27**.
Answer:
**11:01**
